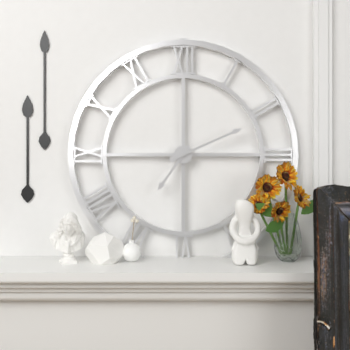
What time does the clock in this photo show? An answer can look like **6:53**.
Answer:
**7:11**
